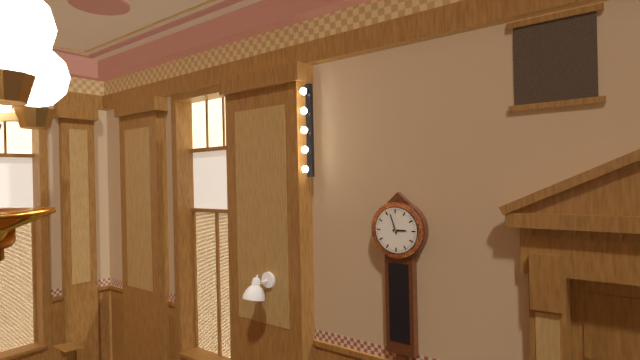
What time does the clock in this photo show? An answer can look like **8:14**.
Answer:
**2:57**
